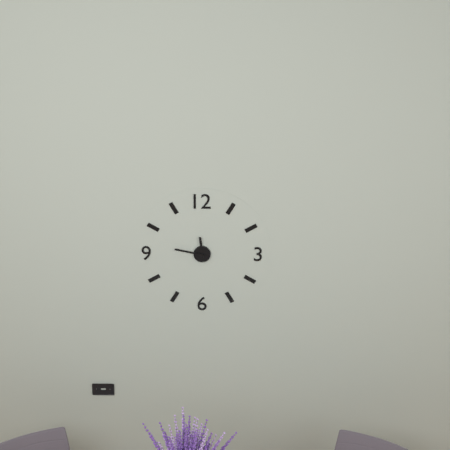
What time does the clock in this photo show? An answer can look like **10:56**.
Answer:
**11:47**
